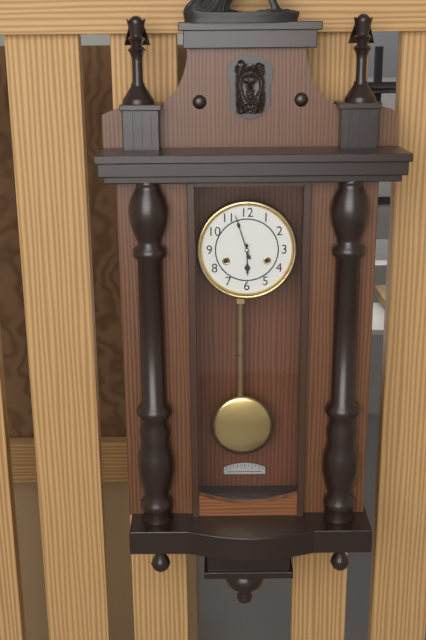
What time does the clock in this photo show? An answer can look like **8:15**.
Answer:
**5:57**
